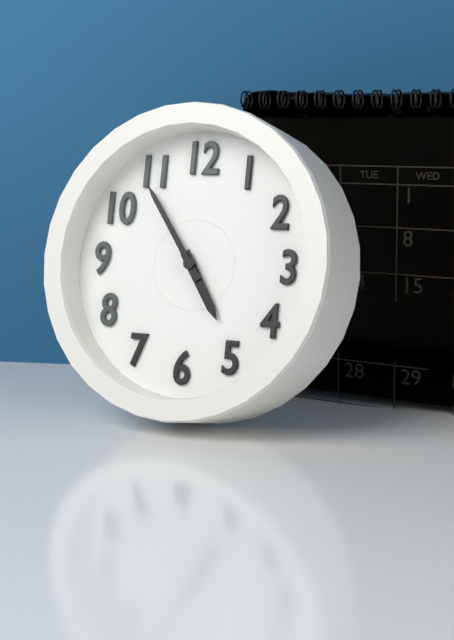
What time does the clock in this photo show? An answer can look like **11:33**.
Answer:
**4:54**
